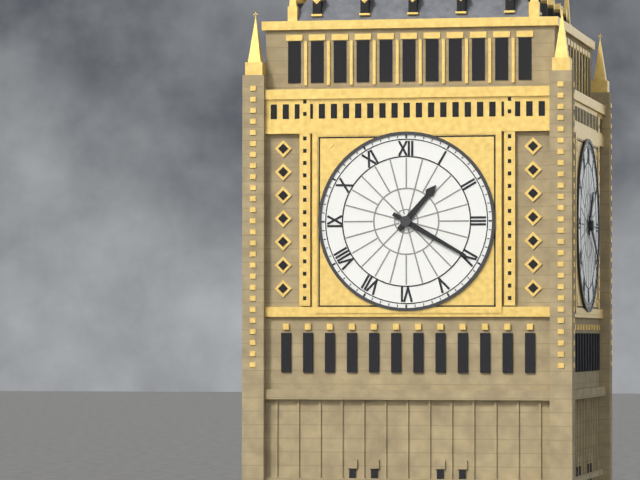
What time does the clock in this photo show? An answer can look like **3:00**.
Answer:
**1:20**
